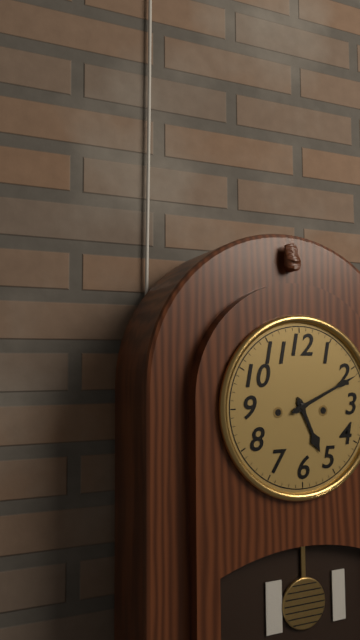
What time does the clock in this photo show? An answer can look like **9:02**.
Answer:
**5:11**
